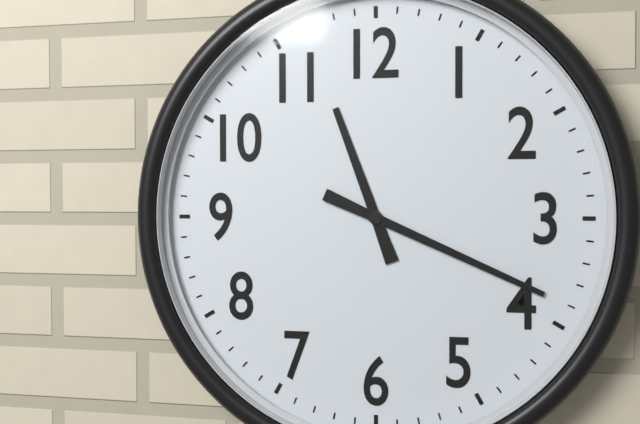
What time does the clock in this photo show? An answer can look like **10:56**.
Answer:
**11:19**
